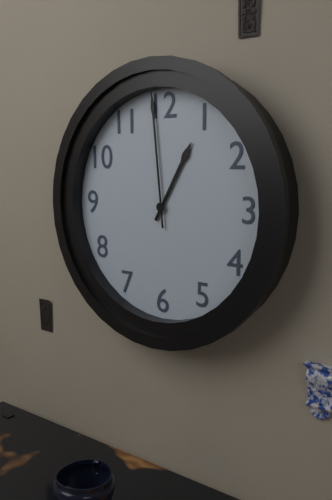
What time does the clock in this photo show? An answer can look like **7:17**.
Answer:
**12:59**
